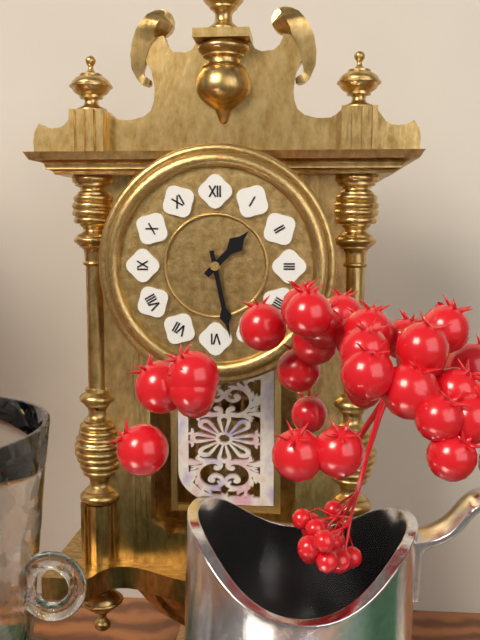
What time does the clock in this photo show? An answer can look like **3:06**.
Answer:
**1:28**
